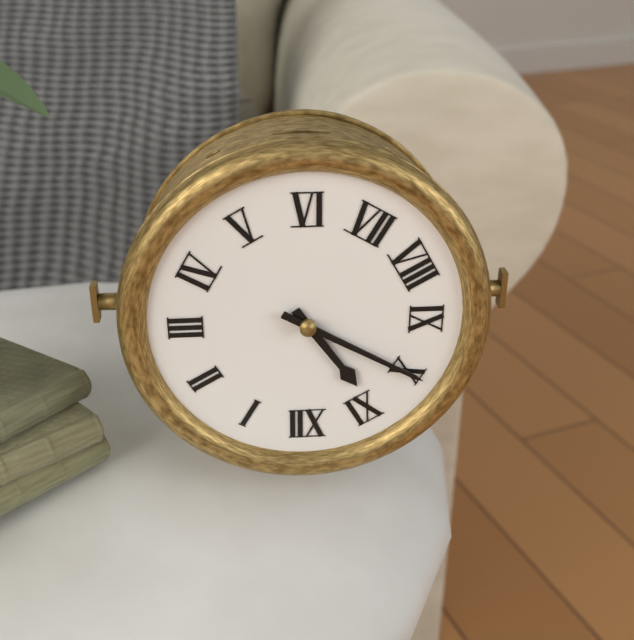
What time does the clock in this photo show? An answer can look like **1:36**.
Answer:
**10:50**
